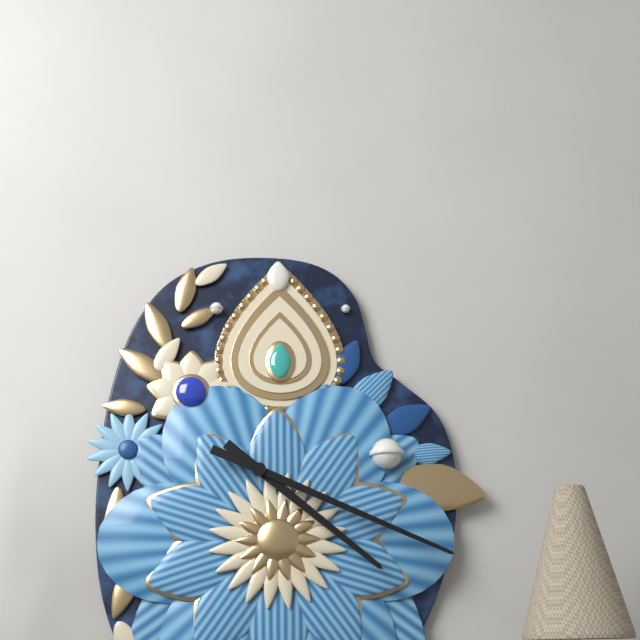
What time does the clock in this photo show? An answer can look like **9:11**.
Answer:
**4:19**
